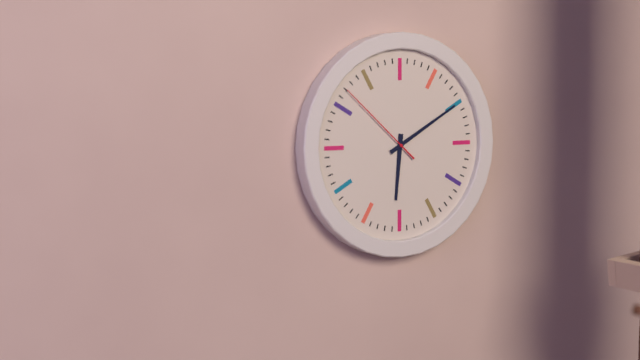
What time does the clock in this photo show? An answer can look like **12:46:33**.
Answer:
**6:10:52**
